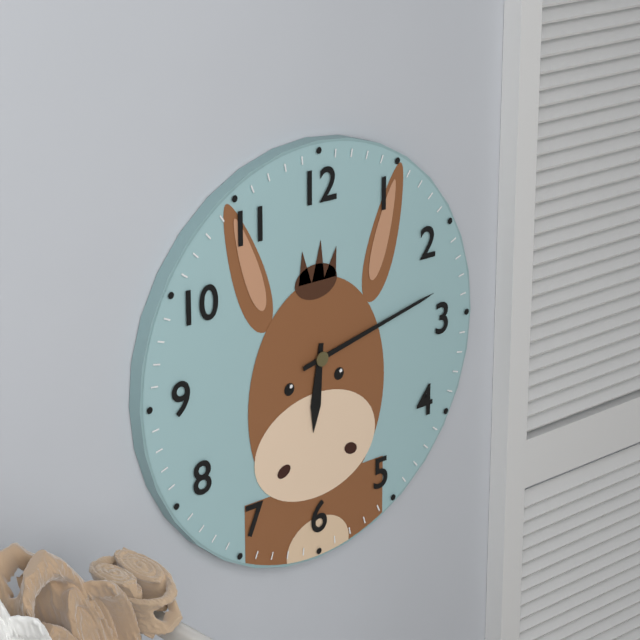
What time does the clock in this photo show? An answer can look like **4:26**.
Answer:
**6:13**
